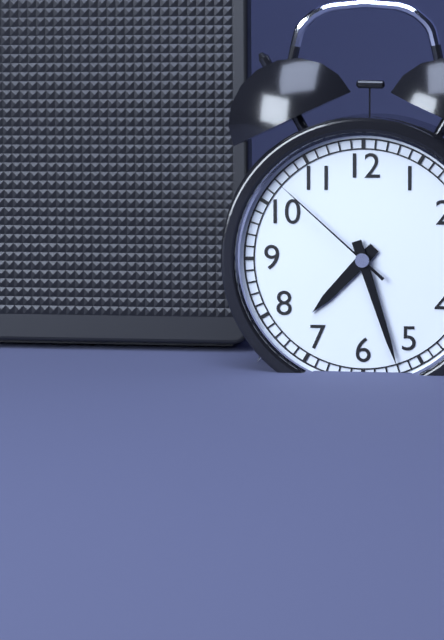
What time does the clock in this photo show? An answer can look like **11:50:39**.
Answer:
**7:27:52**
